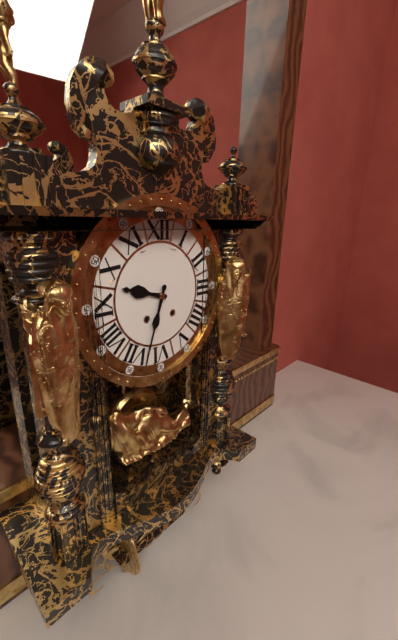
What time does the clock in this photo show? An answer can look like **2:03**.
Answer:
**9:33**
